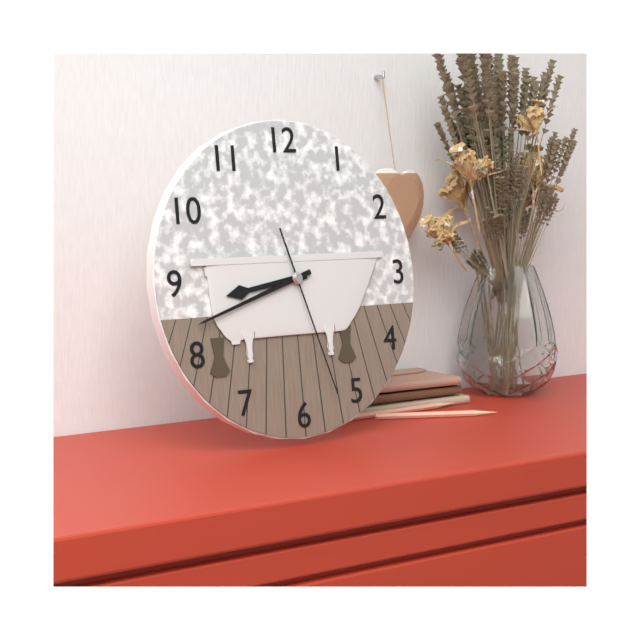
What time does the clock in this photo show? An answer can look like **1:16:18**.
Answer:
**8:42:27**
